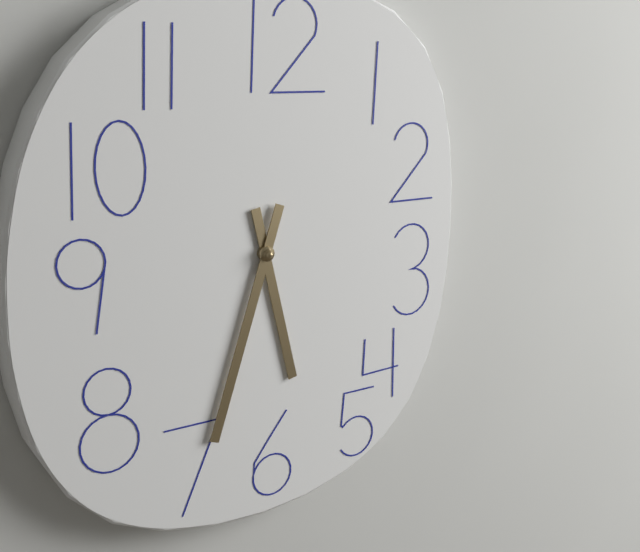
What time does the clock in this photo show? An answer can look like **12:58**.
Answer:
**5:33**
